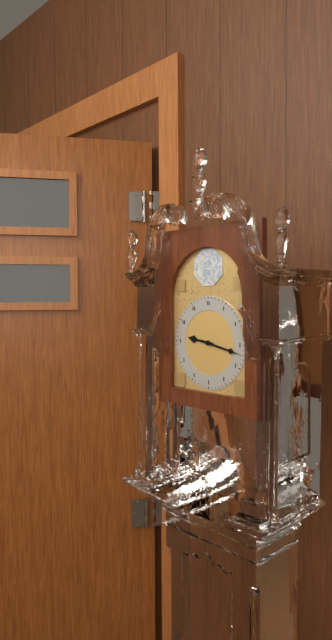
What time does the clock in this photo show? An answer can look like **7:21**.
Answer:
**9:17**
